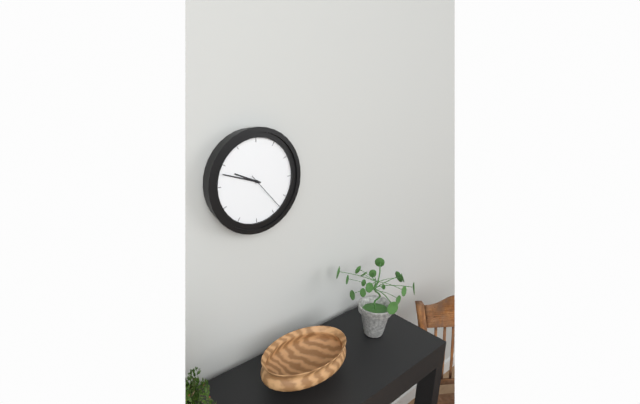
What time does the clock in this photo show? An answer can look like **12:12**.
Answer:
**9:48**
